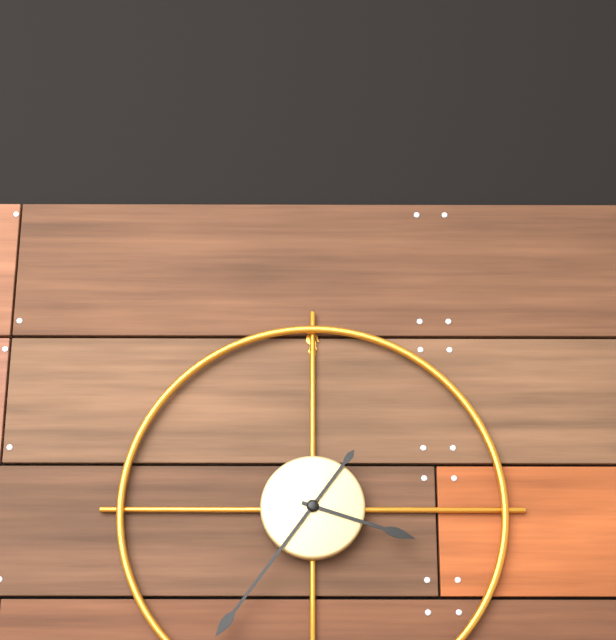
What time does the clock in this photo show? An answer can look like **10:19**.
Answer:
**3:36**
